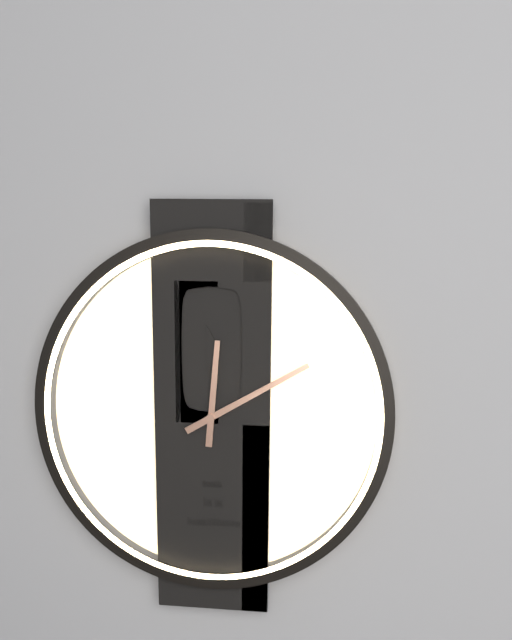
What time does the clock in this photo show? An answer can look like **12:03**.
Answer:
**12:10**
